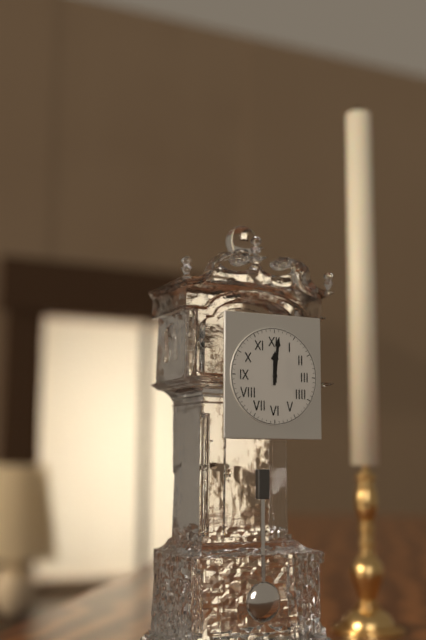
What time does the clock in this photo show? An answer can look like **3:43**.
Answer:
**12:01**
